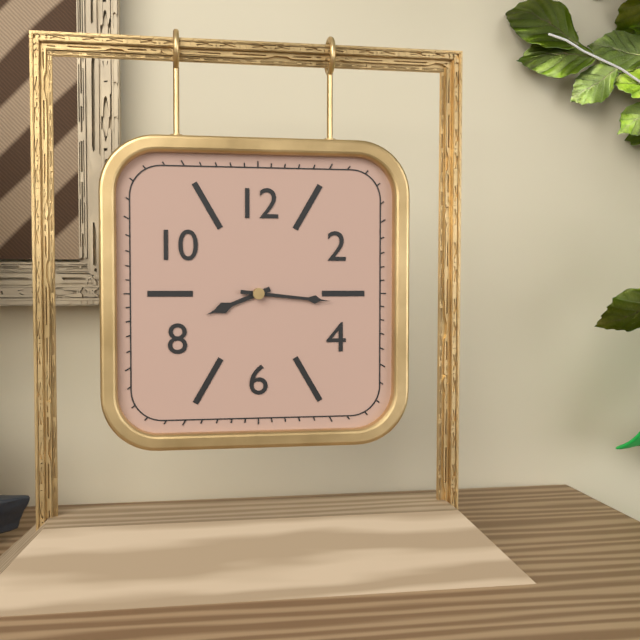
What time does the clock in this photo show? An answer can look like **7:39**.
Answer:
**8:16**
